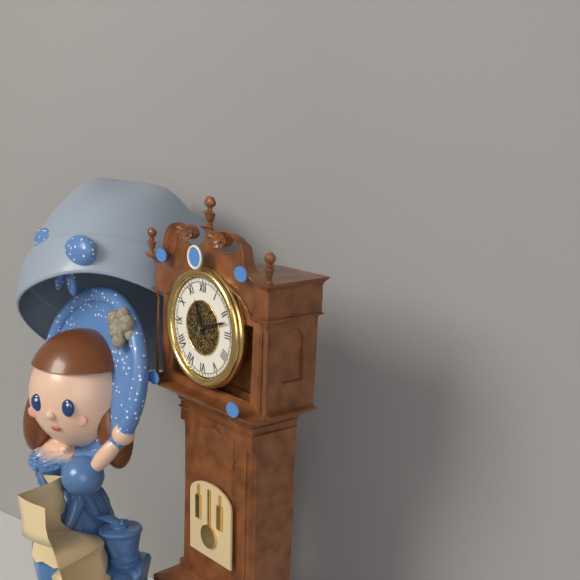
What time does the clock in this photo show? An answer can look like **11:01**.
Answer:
**11:12**
